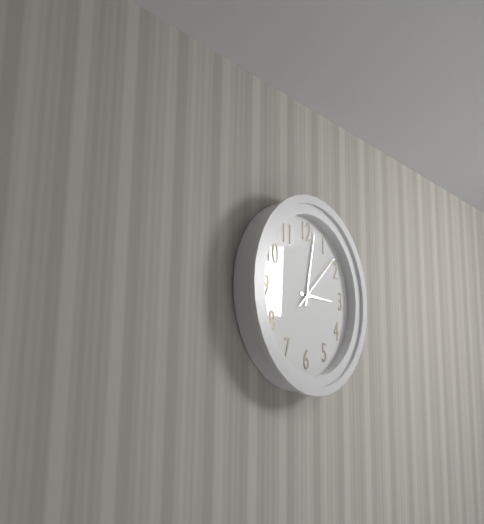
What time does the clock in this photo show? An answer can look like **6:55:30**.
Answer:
**3:02:08**
